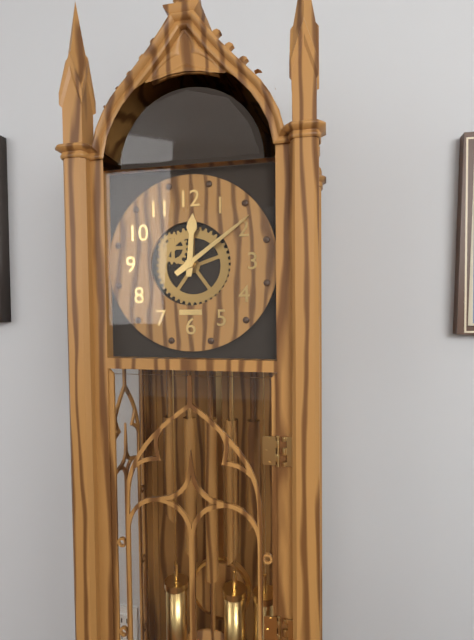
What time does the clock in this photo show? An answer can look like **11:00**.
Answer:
**12:09**
